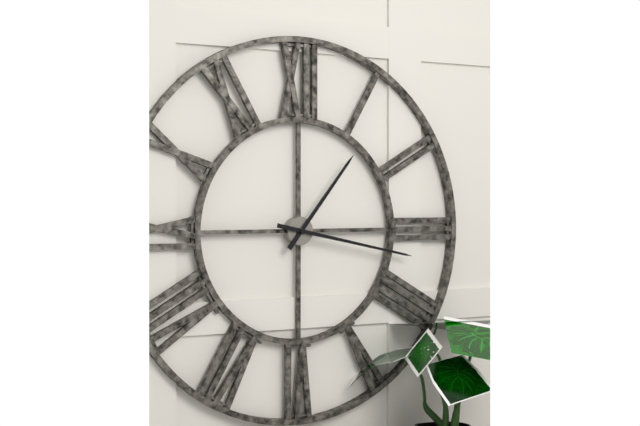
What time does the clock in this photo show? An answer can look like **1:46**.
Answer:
**1:17**
